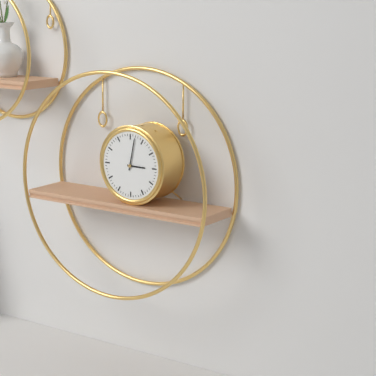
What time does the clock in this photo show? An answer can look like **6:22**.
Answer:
**3:02**
